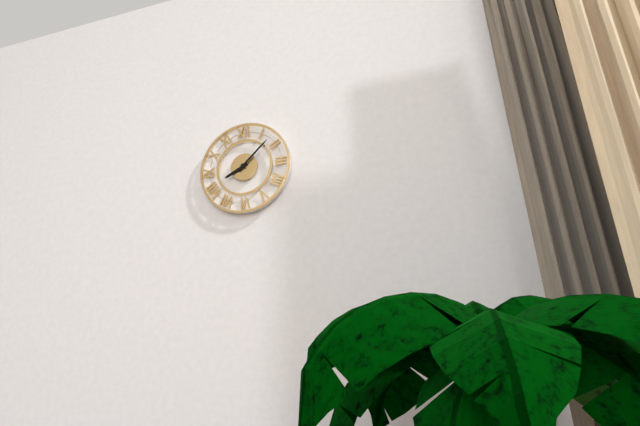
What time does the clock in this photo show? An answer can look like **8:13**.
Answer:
**8:08**
